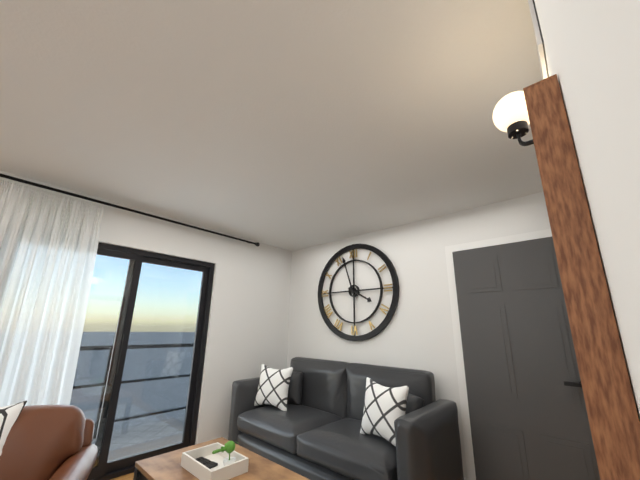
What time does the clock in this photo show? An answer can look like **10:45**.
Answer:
**3:57**
